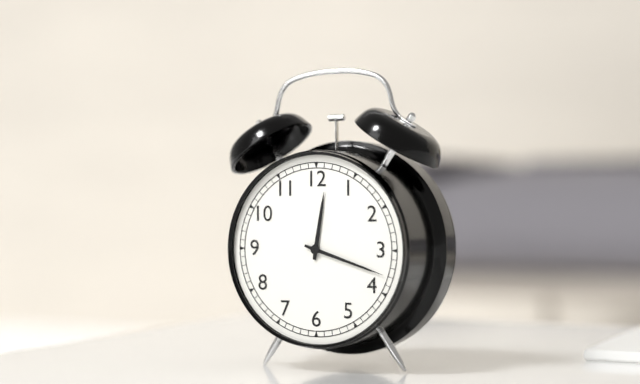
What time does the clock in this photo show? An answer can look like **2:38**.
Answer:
**12:18**
